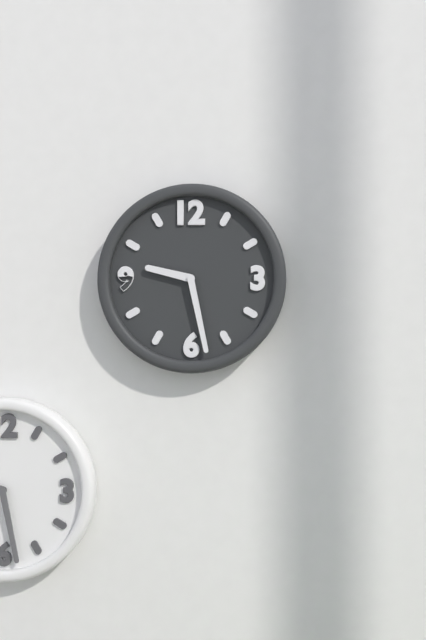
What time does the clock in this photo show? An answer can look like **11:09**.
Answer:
**9:28**
